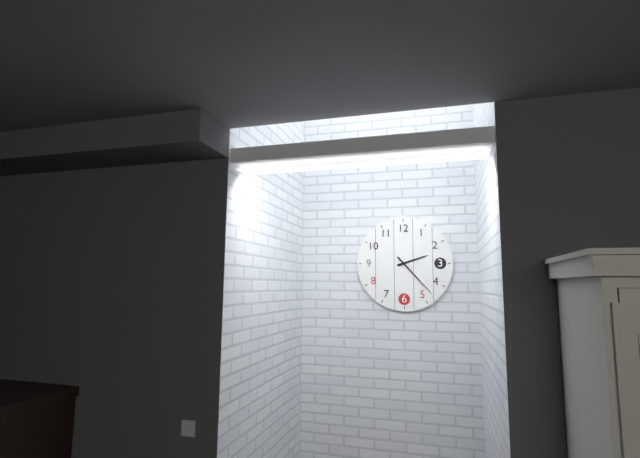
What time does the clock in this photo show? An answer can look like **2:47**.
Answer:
**2:23**
